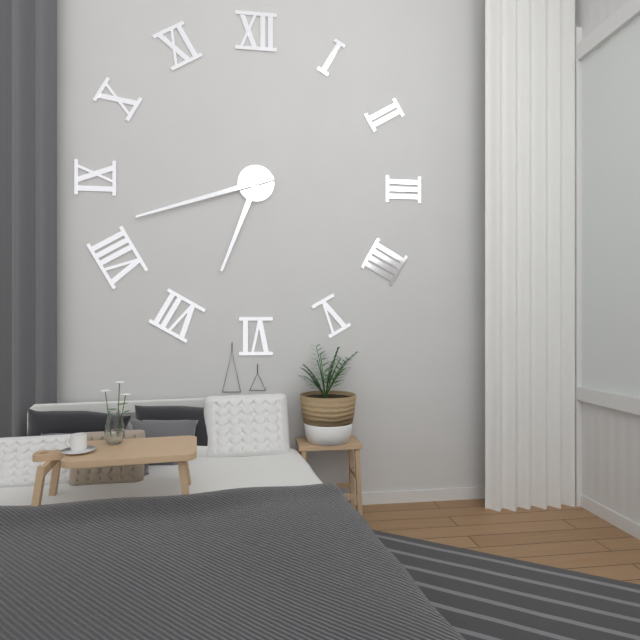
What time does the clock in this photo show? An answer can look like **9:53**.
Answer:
**6:42**
